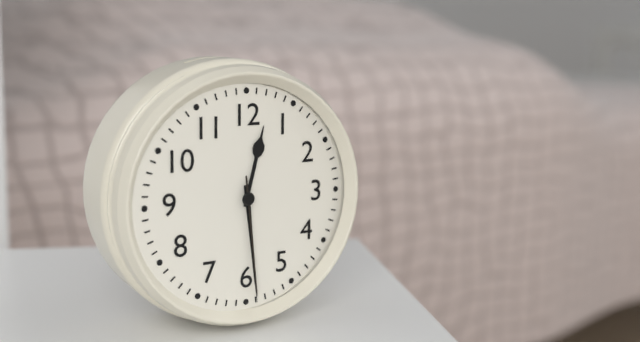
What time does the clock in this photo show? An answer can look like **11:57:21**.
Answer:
**12:29:29**
